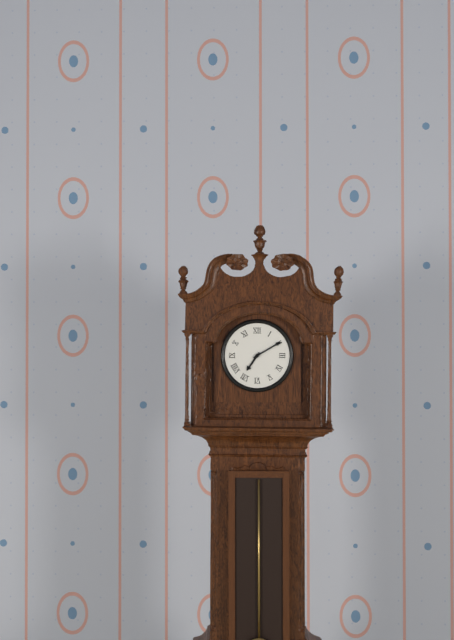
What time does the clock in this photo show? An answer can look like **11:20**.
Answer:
**7:10**
